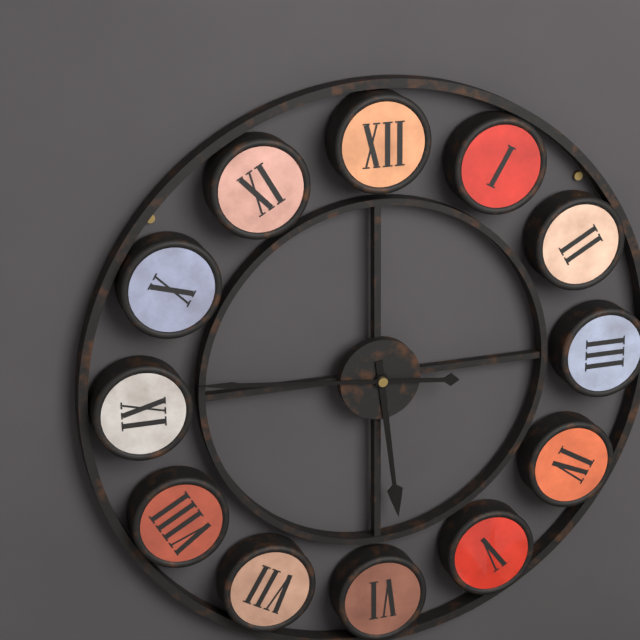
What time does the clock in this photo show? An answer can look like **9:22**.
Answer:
**5:46**
